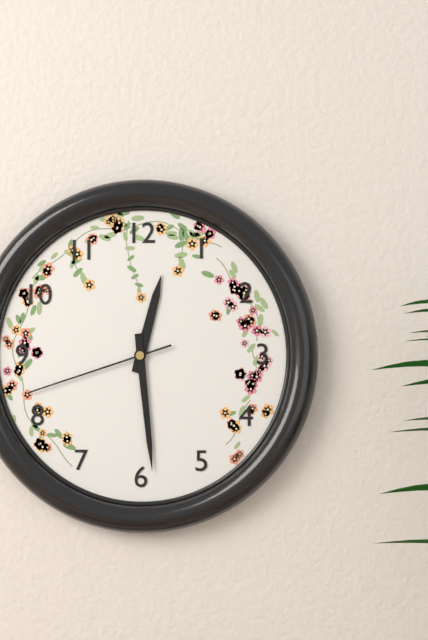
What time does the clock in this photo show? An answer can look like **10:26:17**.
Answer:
**12:29:42**
